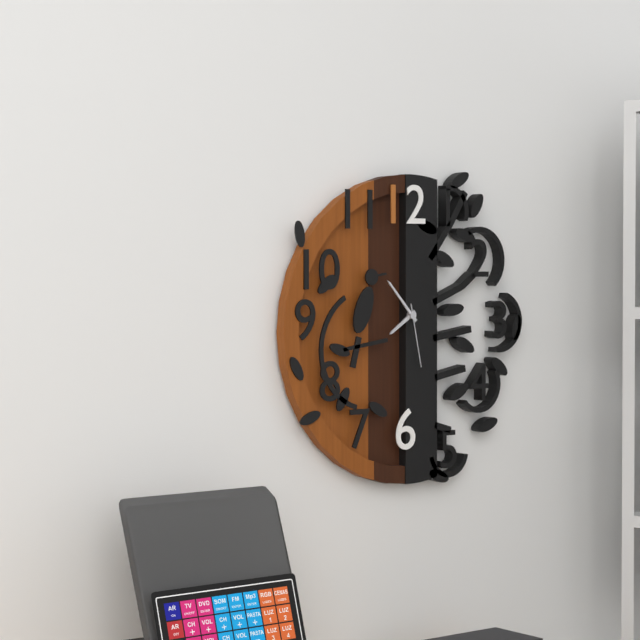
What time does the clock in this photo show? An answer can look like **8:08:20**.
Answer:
**7:53:28**
